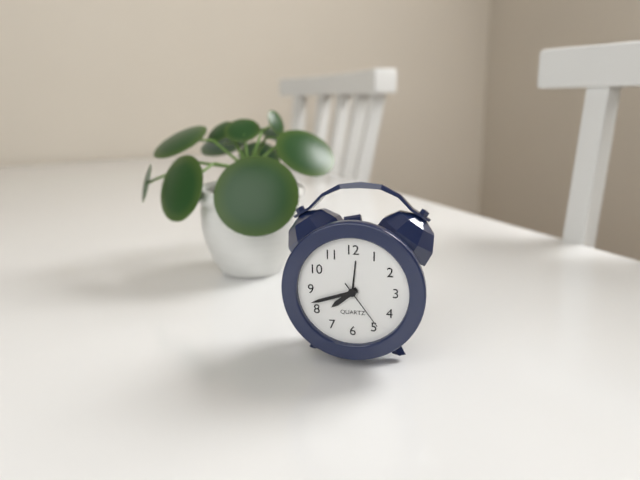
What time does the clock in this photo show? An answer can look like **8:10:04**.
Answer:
**7:42:24**
